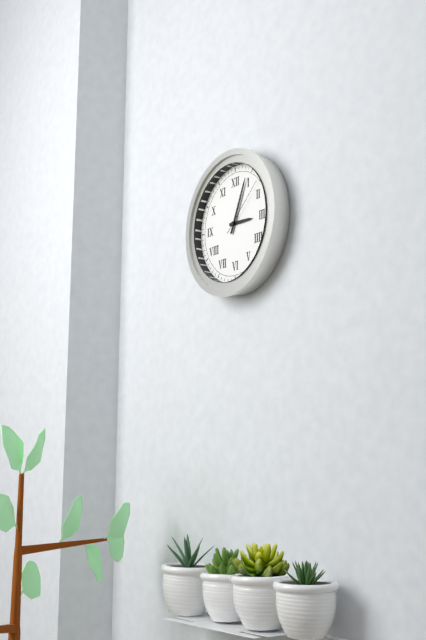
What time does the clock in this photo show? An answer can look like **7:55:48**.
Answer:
**3:04:08**
